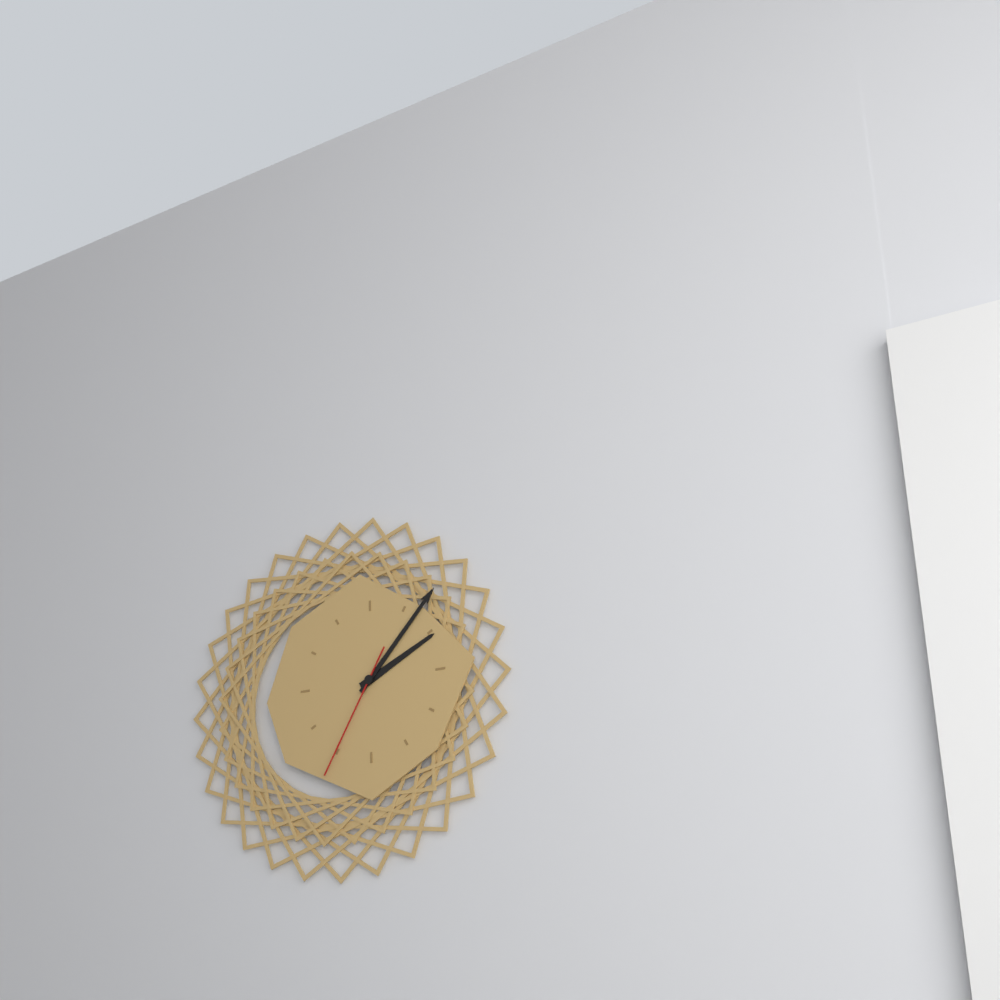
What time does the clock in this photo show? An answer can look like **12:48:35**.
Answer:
**2:07:35**
